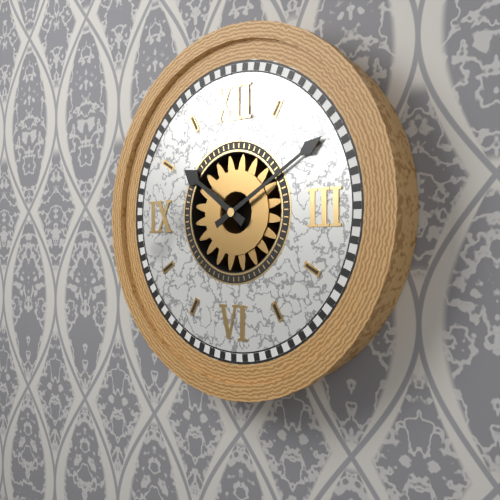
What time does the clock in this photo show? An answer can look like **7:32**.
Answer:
**10:10**
